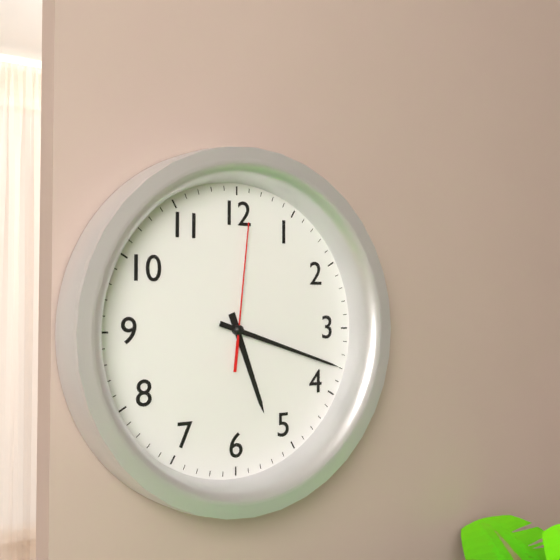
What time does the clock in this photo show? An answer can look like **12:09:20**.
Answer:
**5:18:01**
